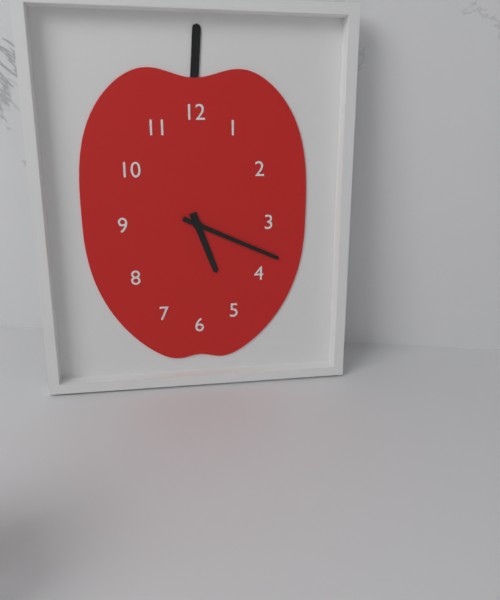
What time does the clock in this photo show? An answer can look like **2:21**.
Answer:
**5:19**
